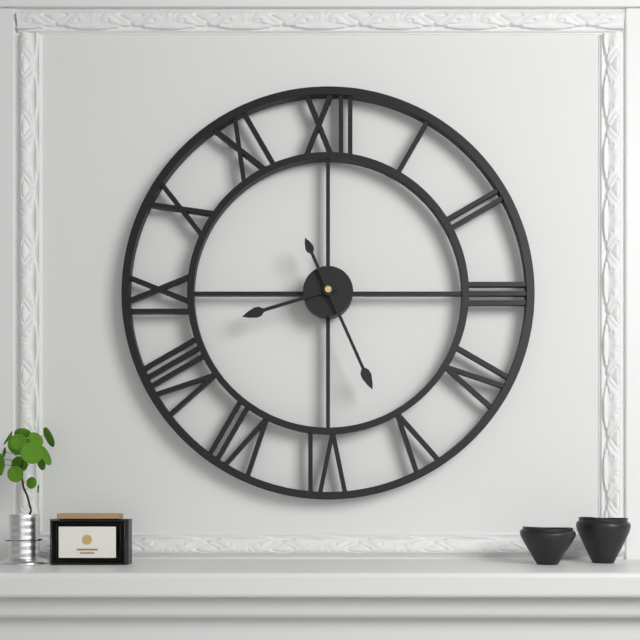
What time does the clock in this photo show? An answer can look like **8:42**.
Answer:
**8:26**
